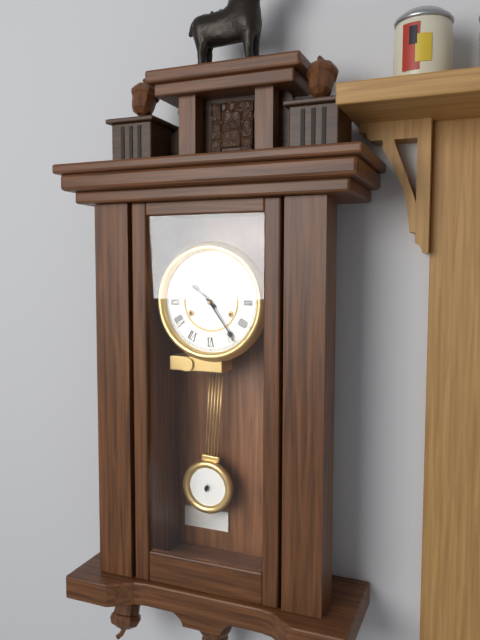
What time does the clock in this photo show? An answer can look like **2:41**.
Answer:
**10:24**
